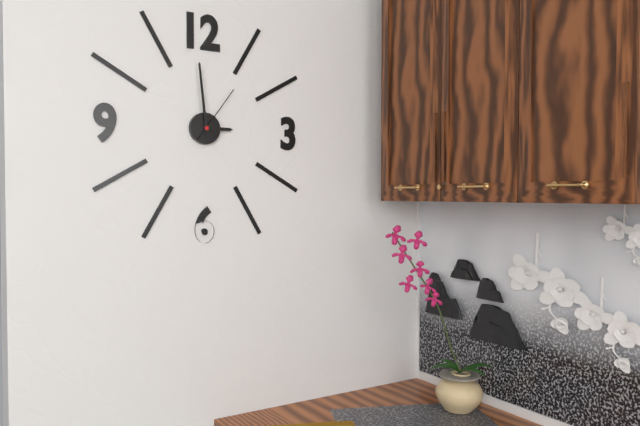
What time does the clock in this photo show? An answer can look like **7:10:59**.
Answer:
**2:59:06**
